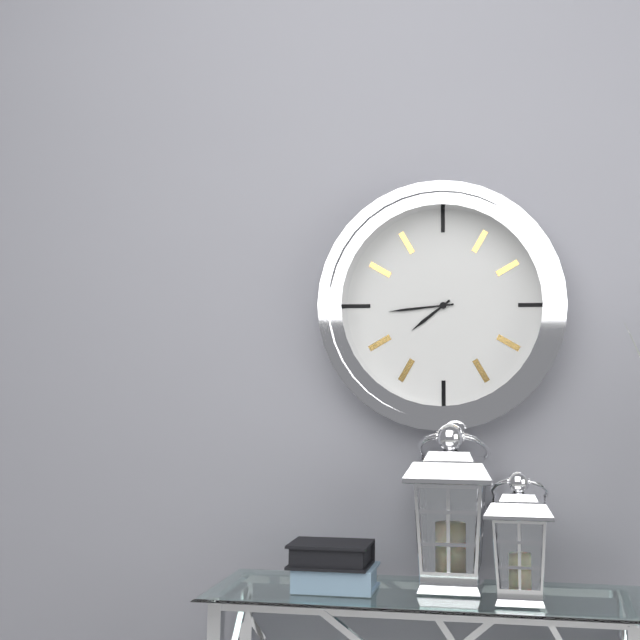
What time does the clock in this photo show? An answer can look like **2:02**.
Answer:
**7:44**
